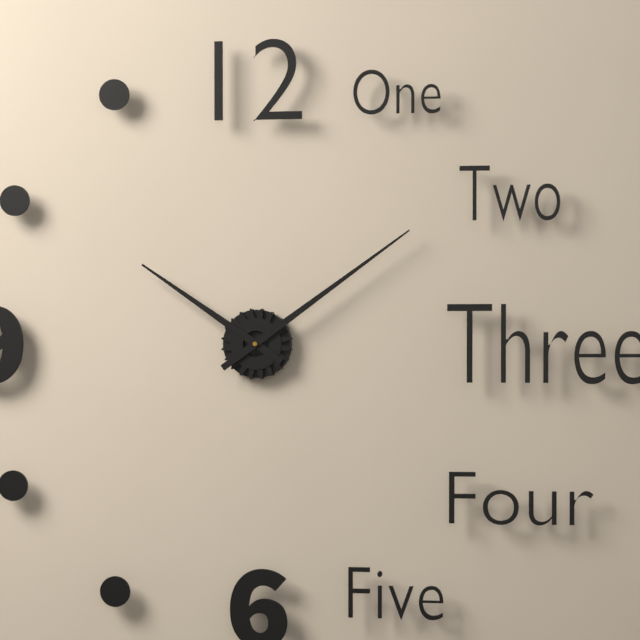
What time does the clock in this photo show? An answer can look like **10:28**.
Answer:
**10:09**
